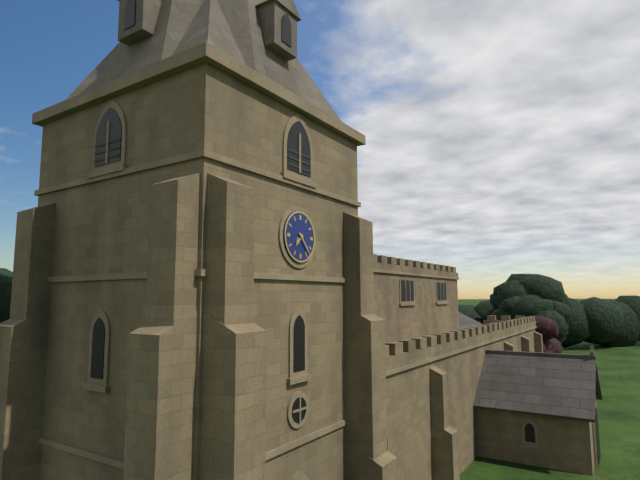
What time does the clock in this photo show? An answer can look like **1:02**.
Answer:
**7:23**
